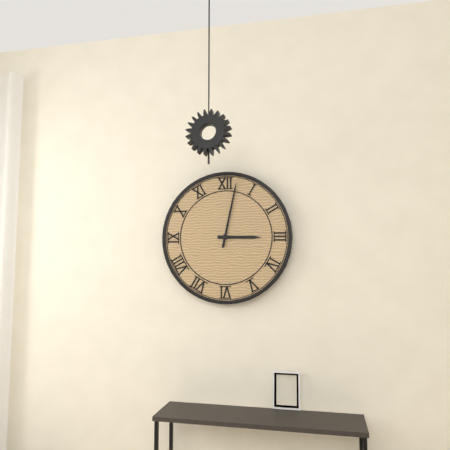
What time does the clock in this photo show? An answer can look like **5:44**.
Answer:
**3:02**
